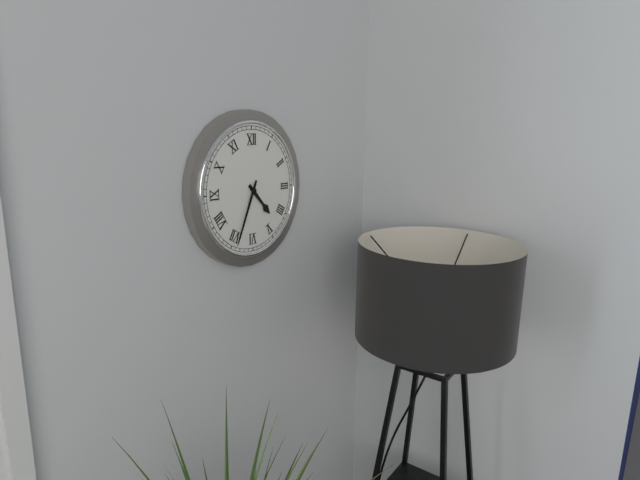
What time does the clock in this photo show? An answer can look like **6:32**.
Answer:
**4:34**
